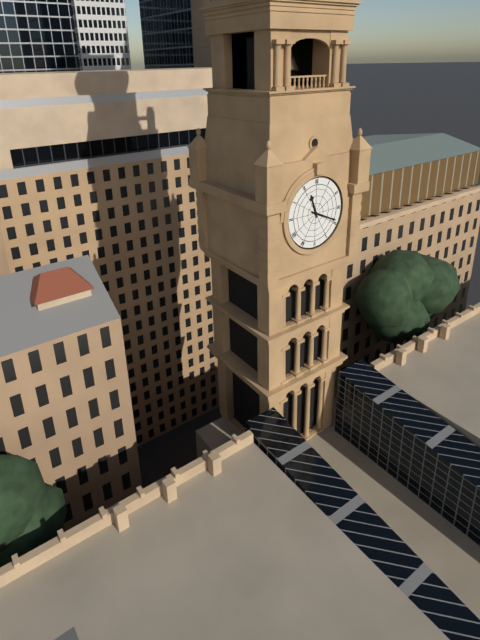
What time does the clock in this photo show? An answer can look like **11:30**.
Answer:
**11:19**
